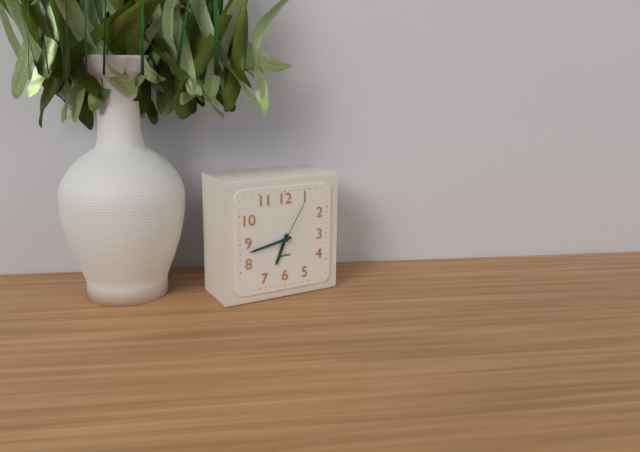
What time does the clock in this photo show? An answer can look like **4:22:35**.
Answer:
**6:43:05**
